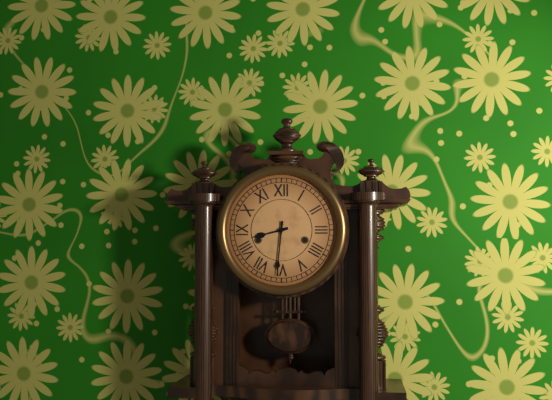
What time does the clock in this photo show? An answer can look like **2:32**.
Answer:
**8:31**
